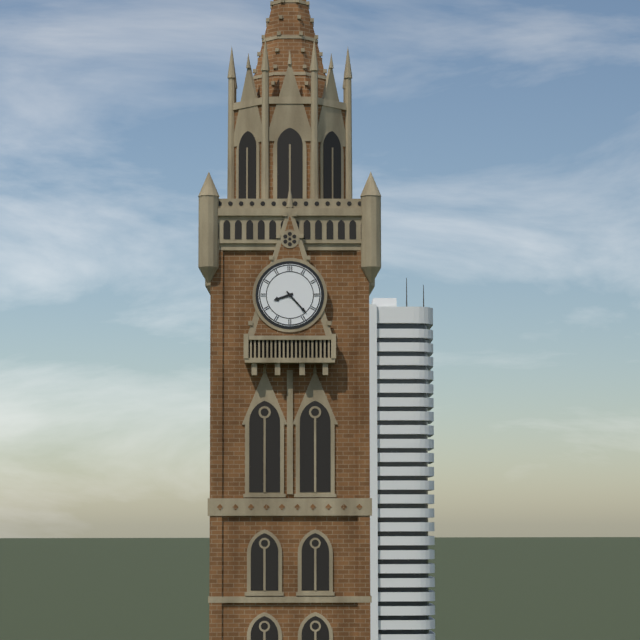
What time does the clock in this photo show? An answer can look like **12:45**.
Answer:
**8:23**
